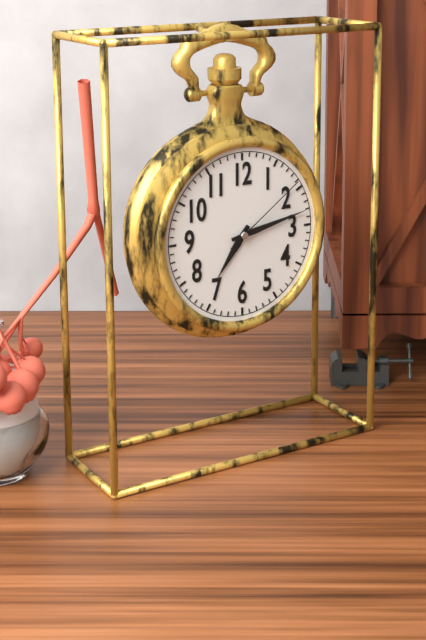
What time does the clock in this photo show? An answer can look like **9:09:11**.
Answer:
**7:13:09**
